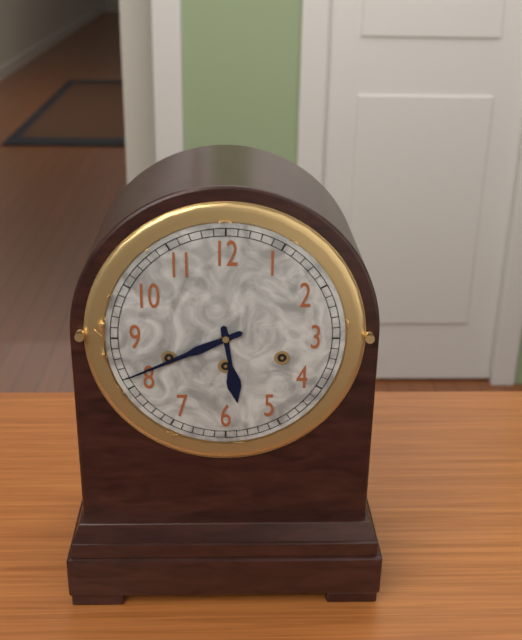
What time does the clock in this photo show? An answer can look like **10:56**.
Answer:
**5:41**
